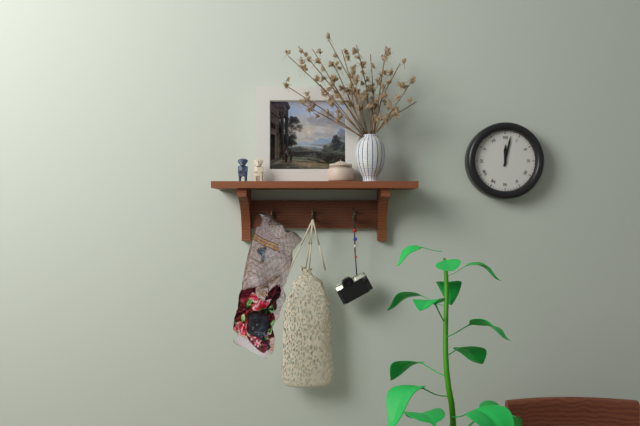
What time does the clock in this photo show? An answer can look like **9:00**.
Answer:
**12:02**
